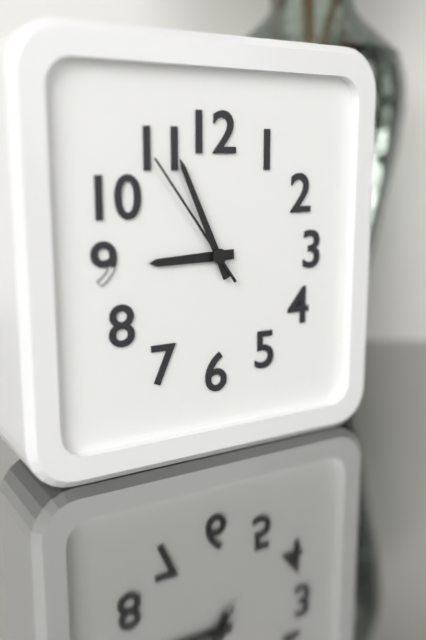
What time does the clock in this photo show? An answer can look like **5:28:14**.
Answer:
**8:56:54**
